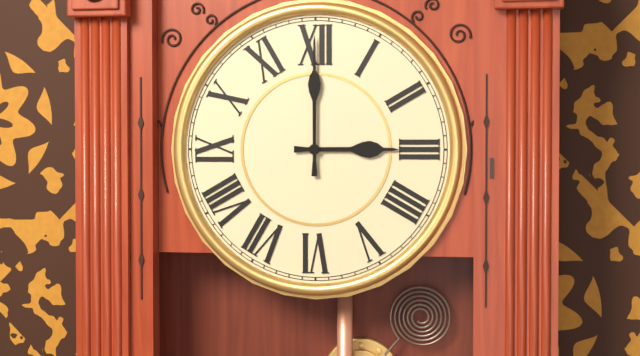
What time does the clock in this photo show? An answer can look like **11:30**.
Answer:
**3:00**
